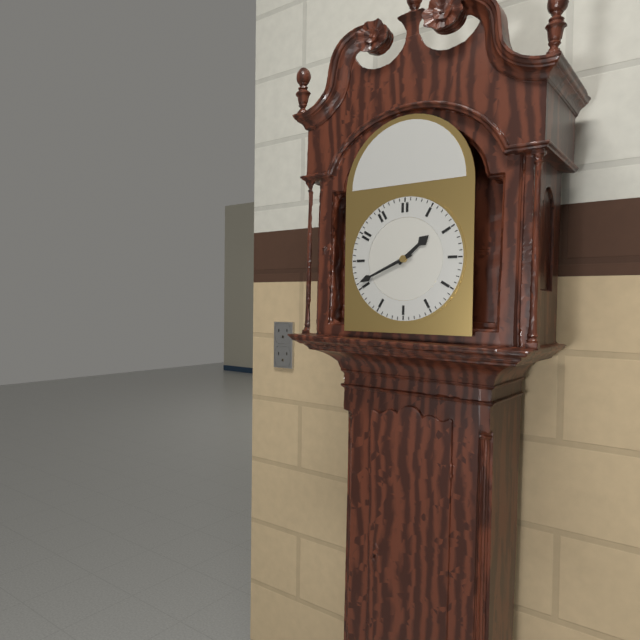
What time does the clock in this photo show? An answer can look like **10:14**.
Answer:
**1:41**
